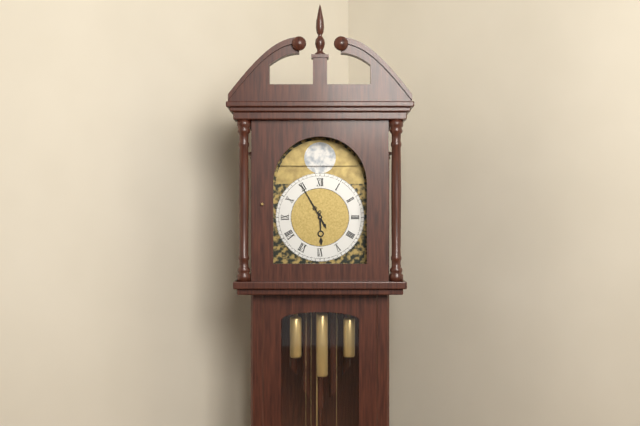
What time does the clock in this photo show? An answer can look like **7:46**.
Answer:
**5:55**
